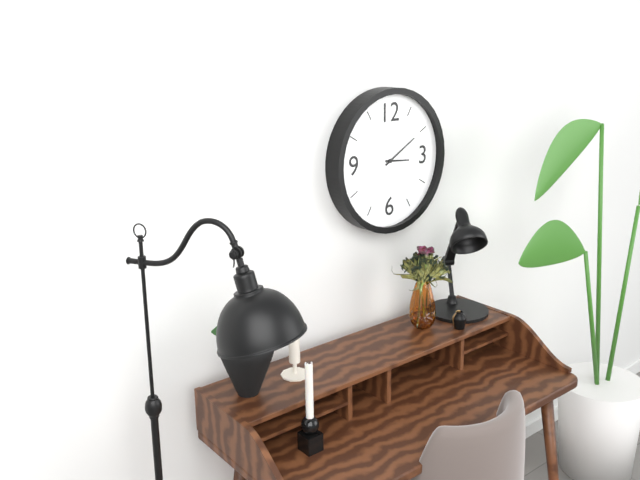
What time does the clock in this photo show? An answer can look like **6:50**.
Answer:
**3:10**
